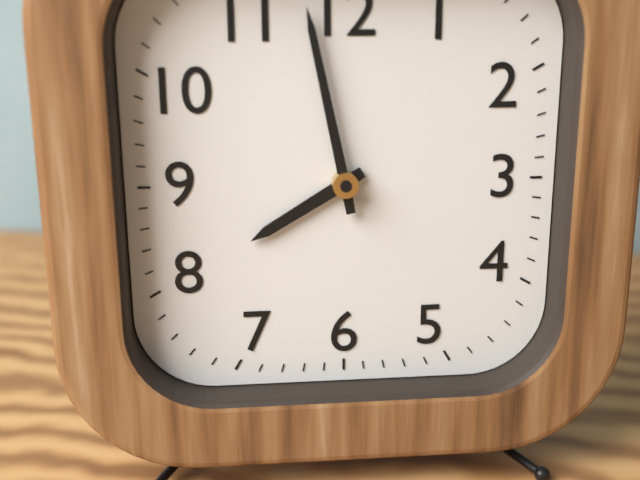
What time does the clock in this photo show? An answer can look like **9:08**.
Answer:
**7:58**
